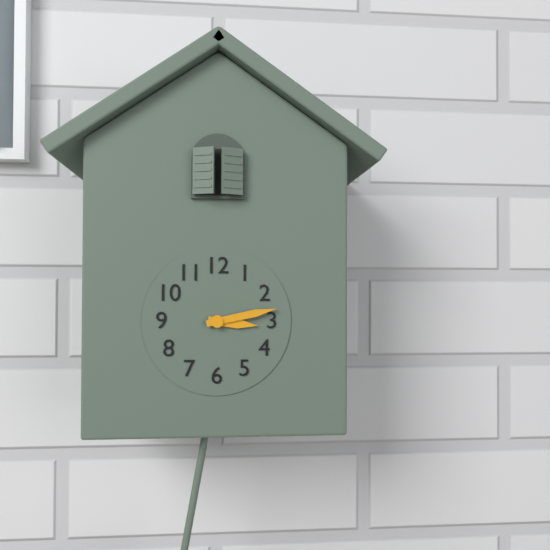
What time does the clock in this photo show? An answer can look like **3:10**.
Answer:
**3:13**
